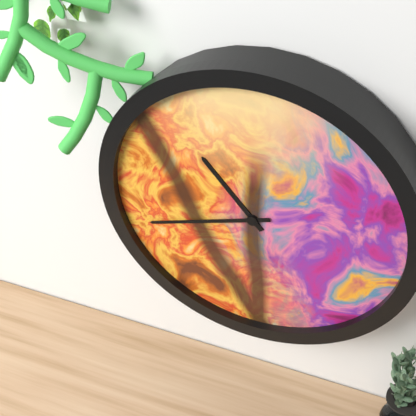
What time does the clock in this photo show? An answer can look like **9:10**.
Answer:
**10:42**
